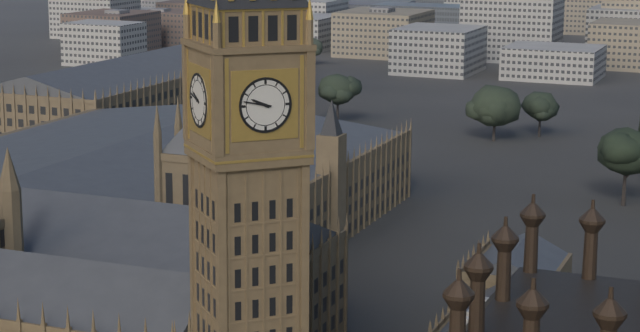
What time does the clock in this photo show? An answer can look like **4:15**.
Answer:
**9:47**
